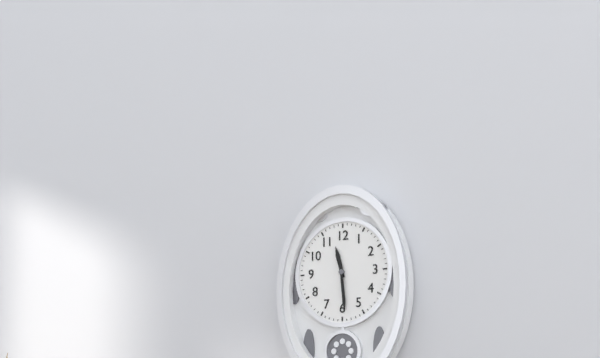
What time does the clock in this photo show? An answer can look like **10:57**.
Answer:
**11:29**
